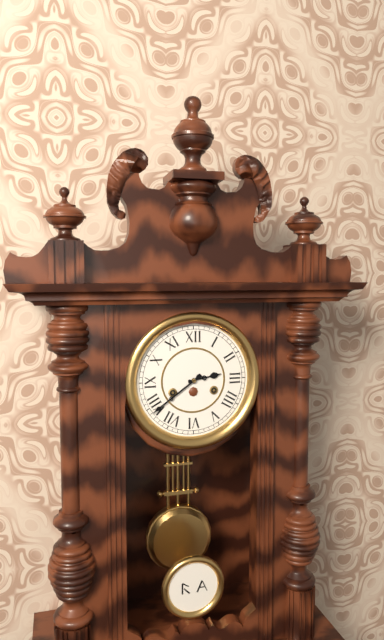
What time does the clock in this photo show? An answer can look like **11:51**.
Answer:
**2:39**
